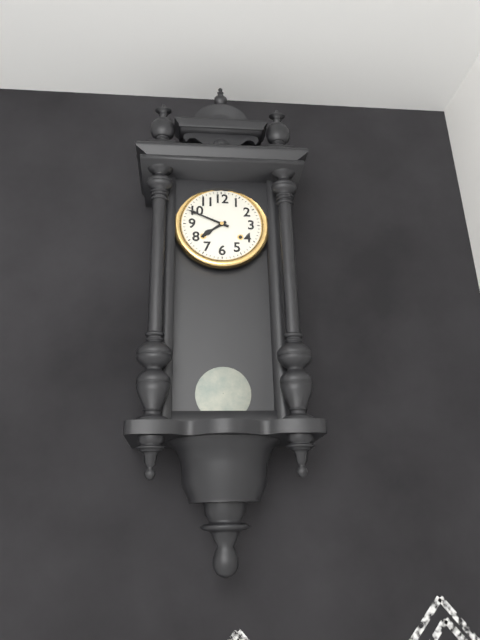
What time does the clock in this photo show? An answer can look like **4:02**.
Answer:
**7:49**
